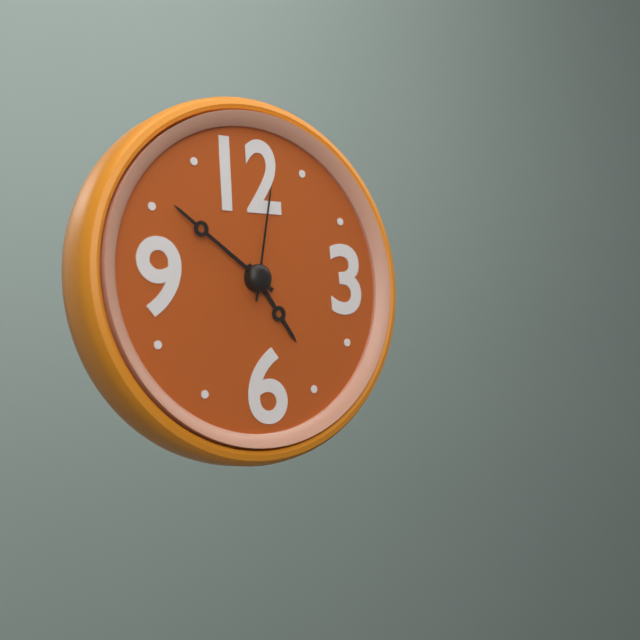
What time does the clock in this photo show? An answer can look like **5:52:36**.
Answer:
**4:51:02**
